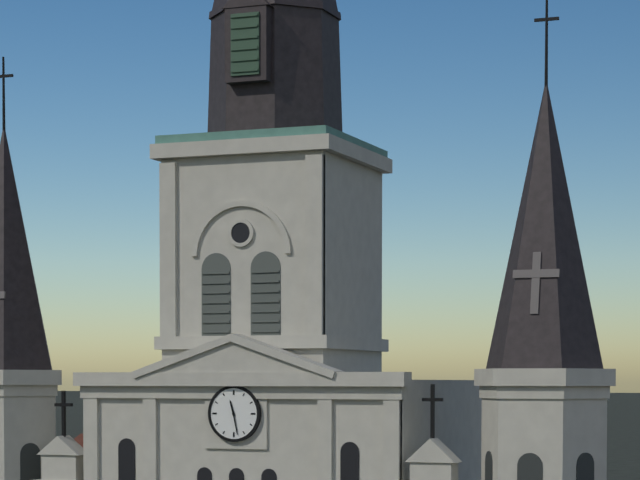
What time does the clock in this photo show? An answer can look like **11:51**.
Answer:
**11:28**
